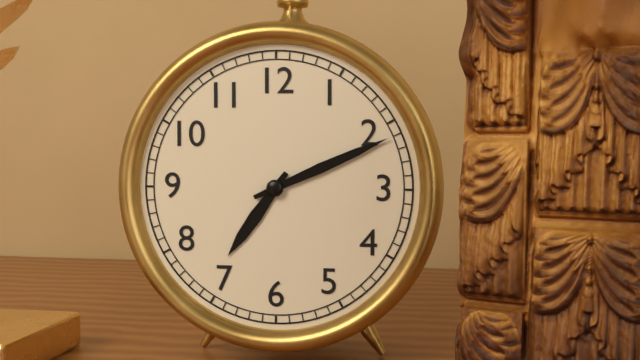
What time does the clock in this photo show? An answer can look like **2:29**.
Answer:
**7:11**
